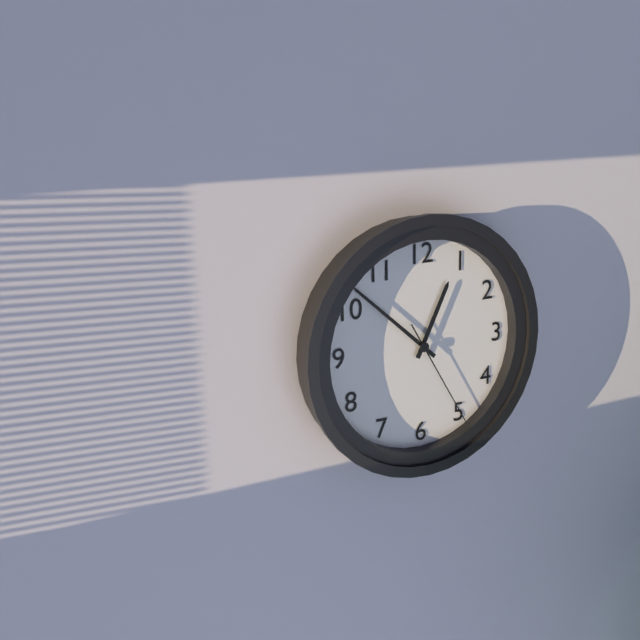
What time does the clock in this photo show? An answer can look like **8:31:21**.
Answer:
**12:52:25**
